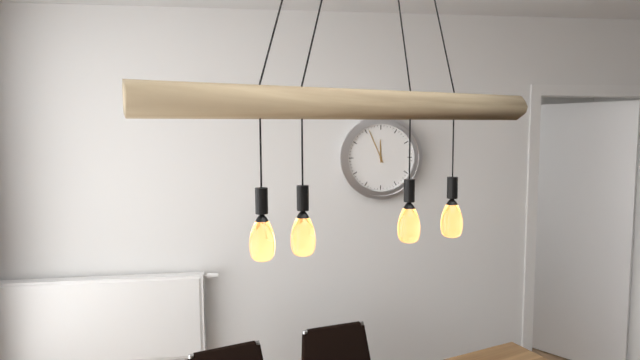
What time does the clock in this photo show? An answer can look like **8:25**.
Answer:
**11:56**
